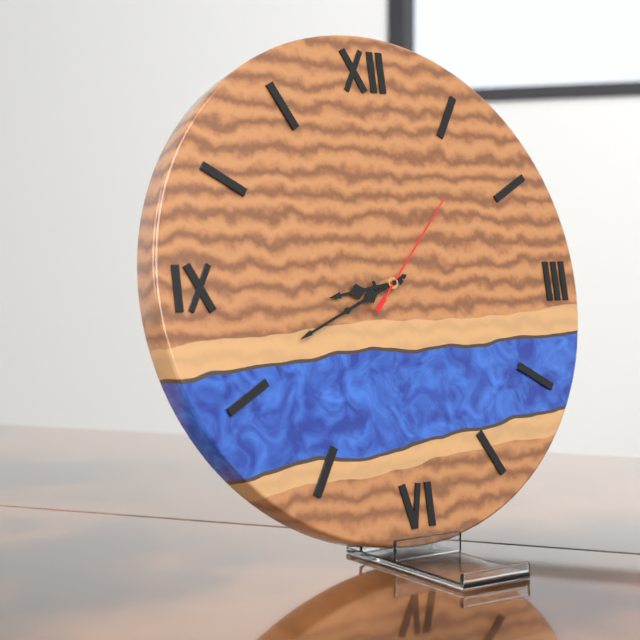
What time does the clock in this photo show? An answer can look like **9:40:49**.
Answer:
**8:41:07**
